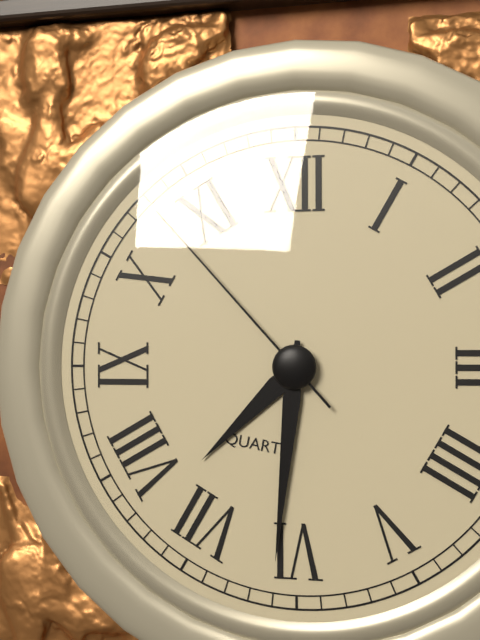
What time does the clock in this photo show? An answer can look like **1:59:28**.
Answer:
**7:31:53**
